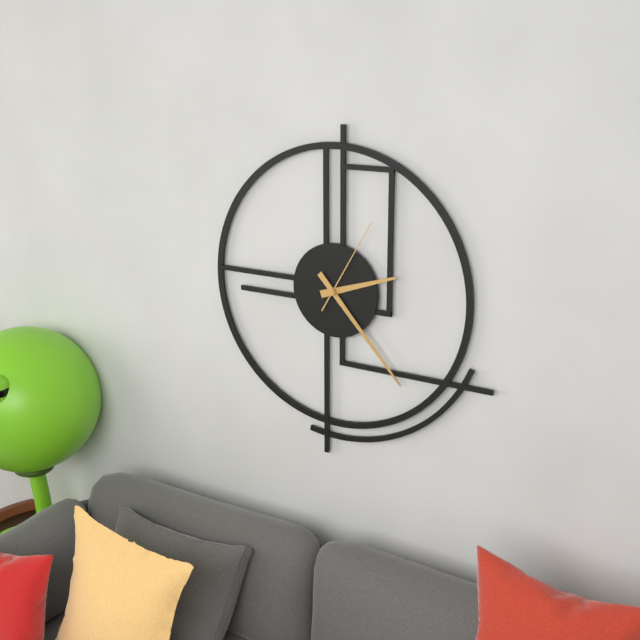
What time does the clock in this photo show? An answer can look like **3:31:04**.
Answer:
**2:23:05**
